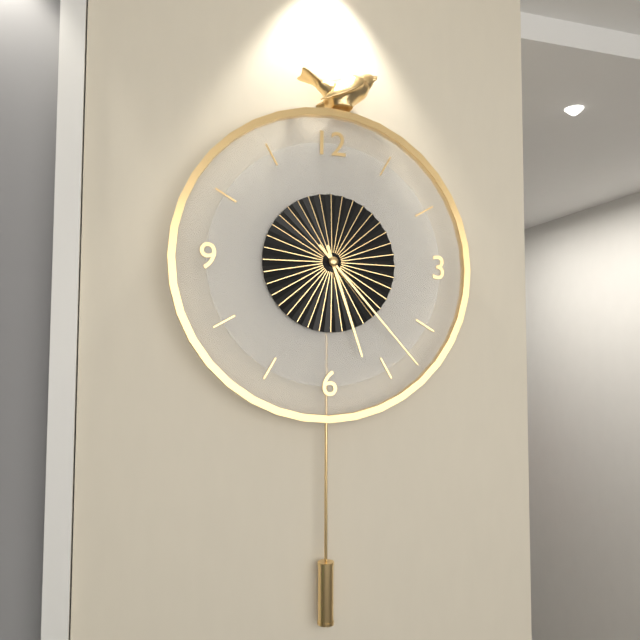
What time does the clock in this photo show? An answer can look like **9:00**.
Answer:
**5:23**
